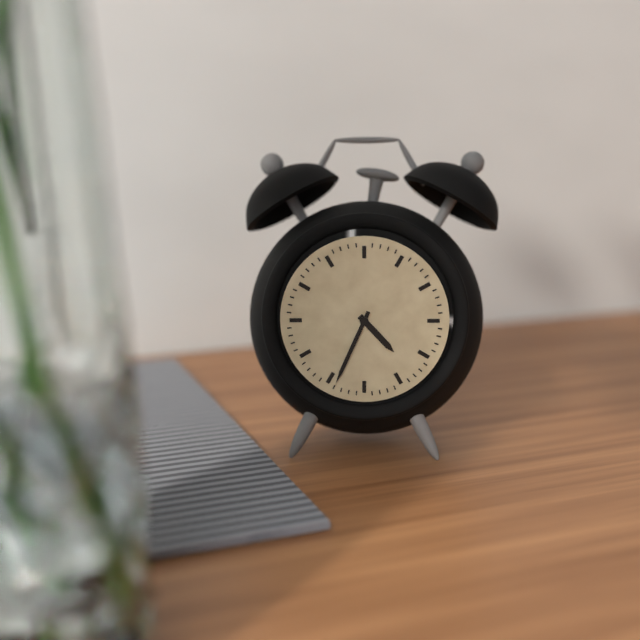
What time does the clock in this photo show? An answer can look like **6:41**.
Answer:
**4:34**
